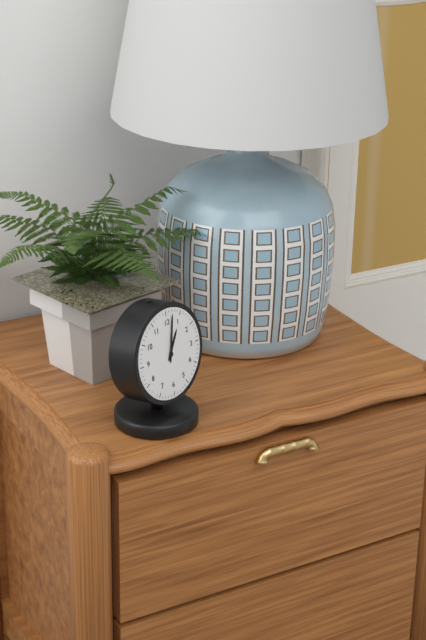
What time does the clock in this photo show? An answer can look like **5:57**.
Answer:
**1:02**
